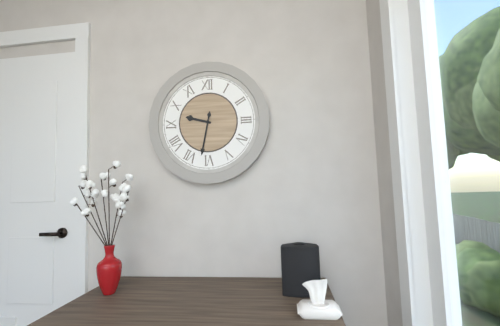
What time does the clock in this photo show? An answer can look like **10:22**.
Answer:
**9:32**
